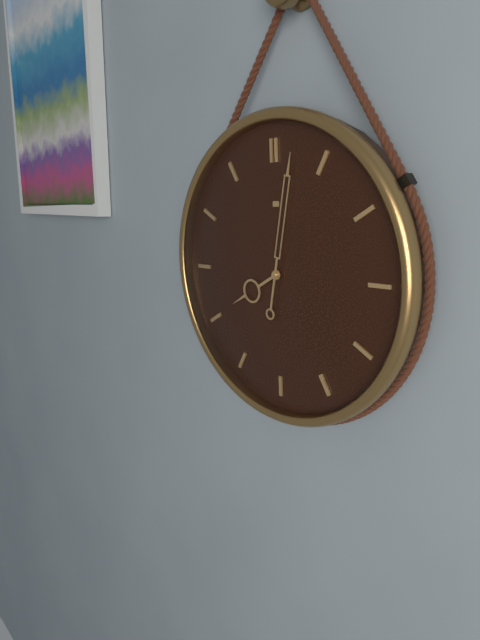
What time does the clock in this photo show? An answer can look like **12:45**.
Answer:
**8:02**
